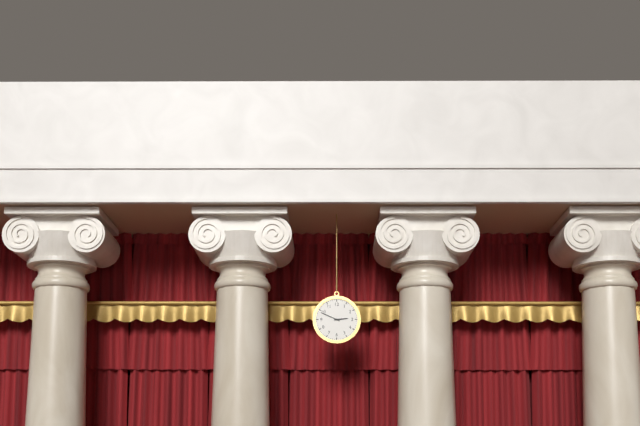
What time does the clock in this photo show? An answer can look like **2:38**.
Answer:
**2:49**
